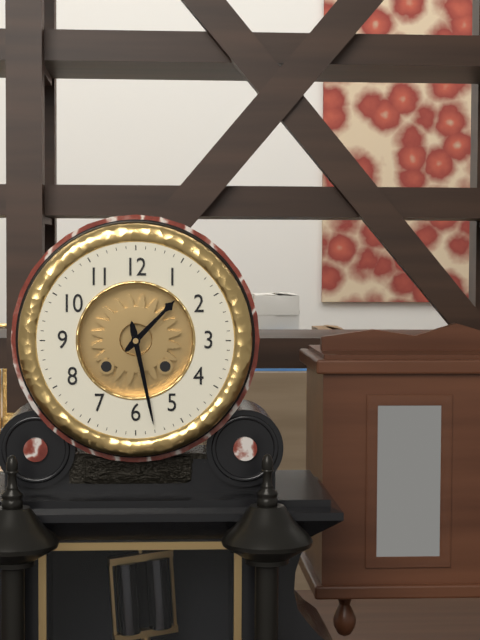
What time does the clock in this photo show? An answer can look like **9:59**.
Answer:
**1:28**
